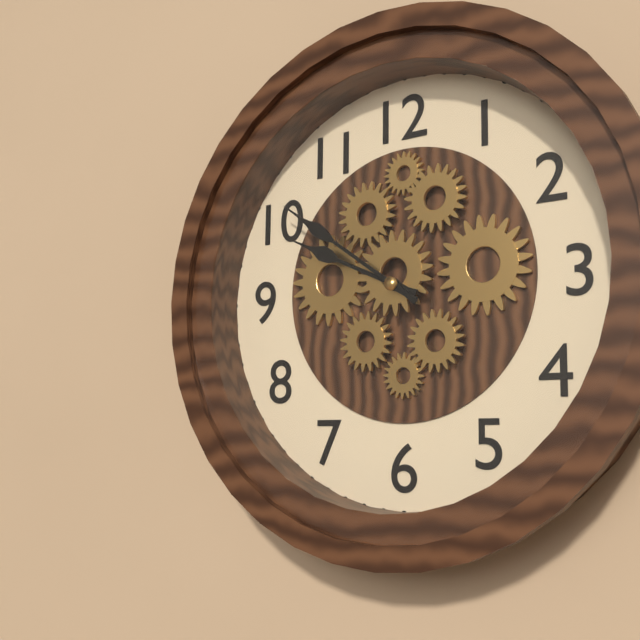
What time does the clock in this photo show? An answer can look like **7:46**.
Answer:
**9:51**
